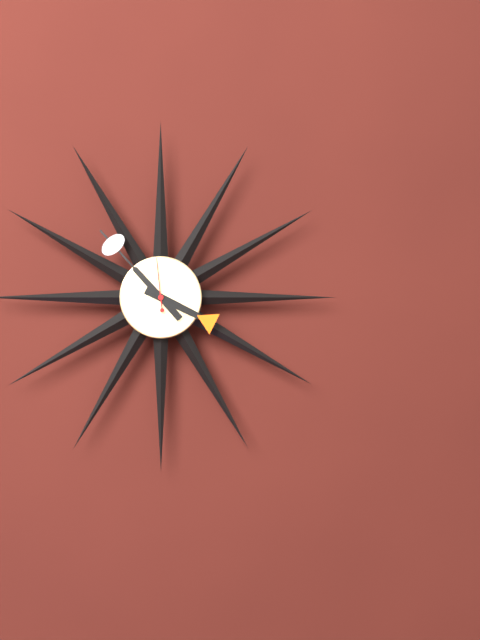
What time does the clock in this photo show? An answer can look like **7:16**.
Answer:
**3:53**
